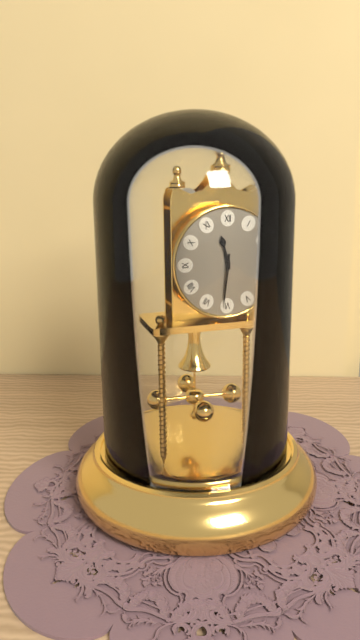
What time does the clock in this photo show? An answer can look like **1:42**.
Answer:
**11:31**
